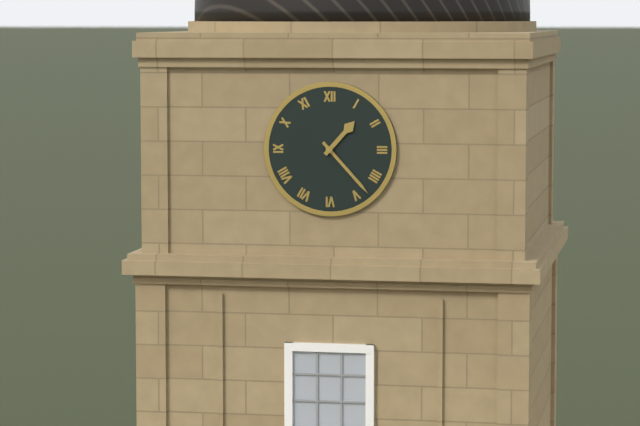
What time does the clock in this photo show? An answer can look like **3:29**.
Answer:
**1:23**
